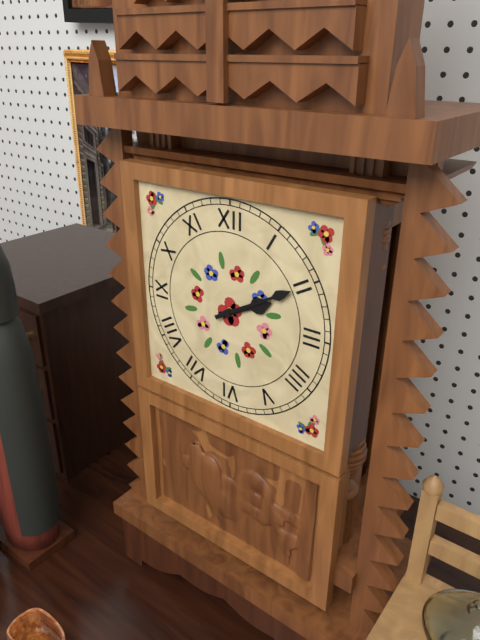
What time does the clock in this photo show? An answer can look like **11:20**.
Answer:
**2:10**
